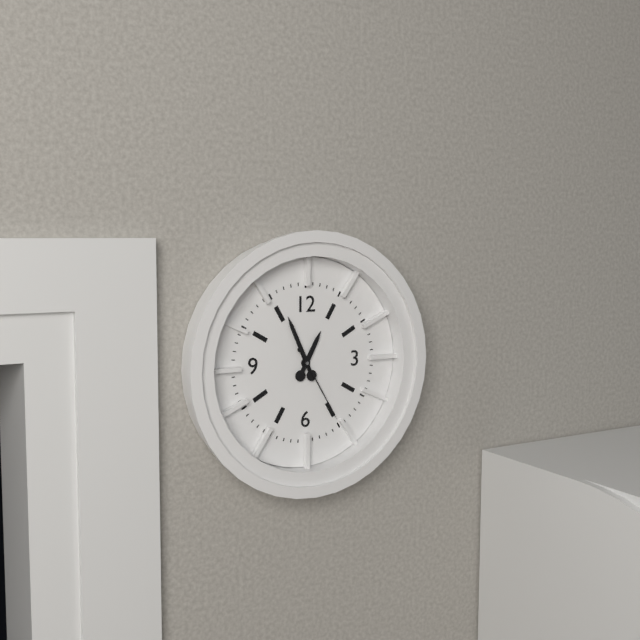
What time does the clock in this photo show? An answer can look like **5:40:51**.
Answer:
**12:56:25**
